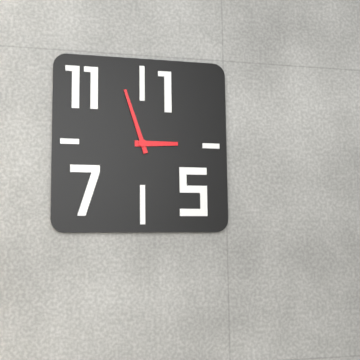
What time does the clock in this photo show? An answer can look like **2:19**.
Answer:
**2:57**
